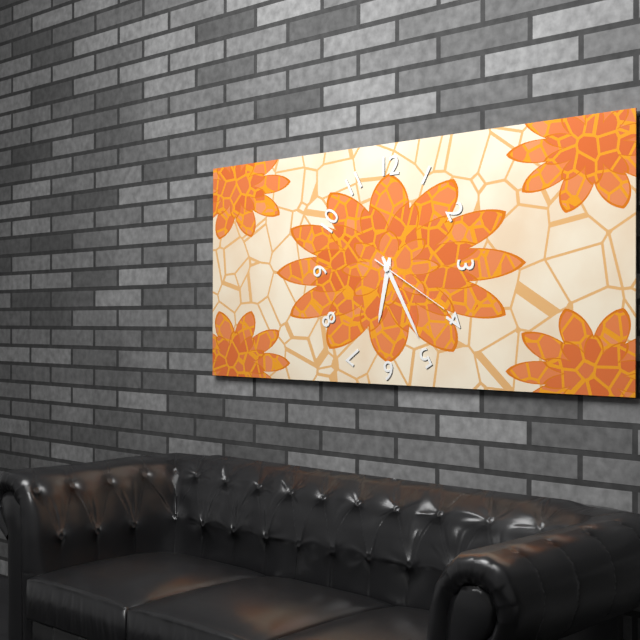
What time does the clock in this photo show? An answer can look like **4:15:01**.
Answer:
**6:25:20**
